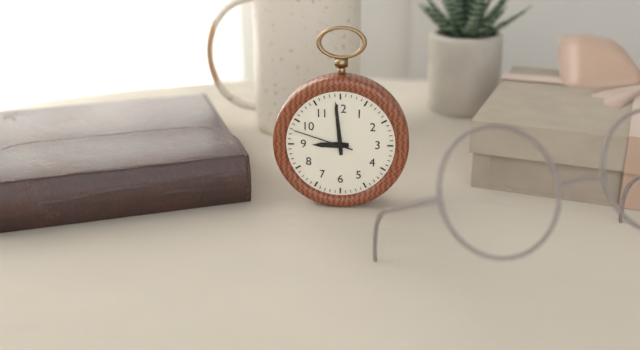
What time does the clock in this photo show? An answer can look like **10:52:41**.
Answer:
**8:59:48**
